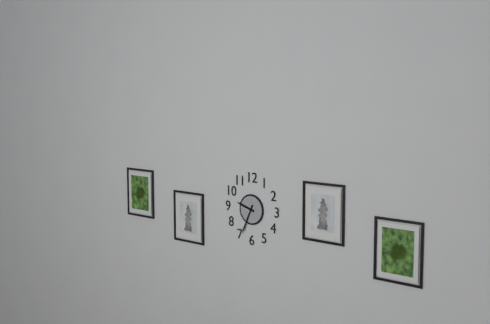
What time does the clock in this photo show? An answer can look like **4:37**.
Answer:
**9:34**
